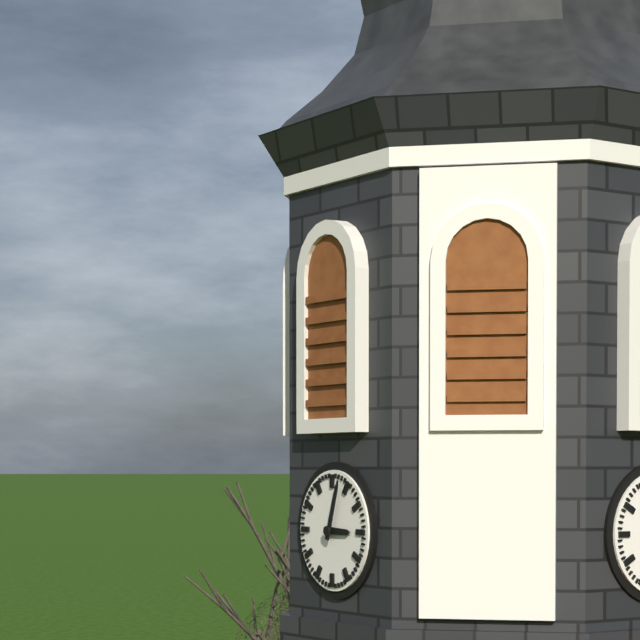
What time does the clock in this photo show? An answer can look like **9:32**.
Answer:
**3:03**
